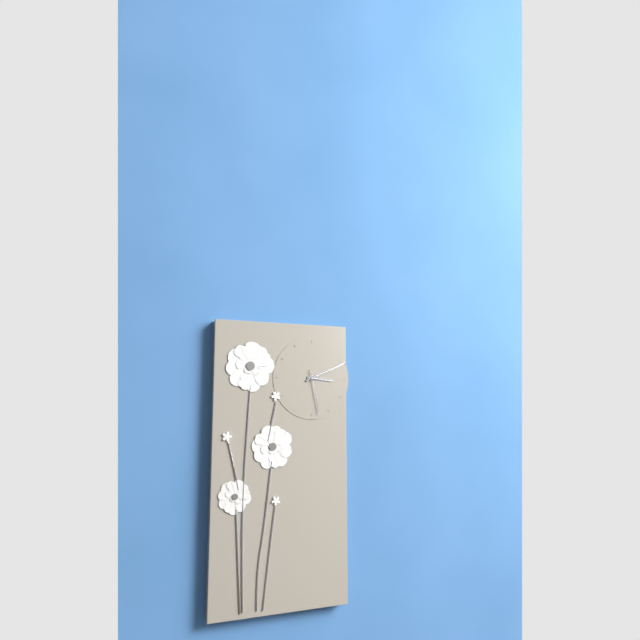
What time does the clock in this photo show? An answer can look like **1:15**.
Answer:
**3:11**
